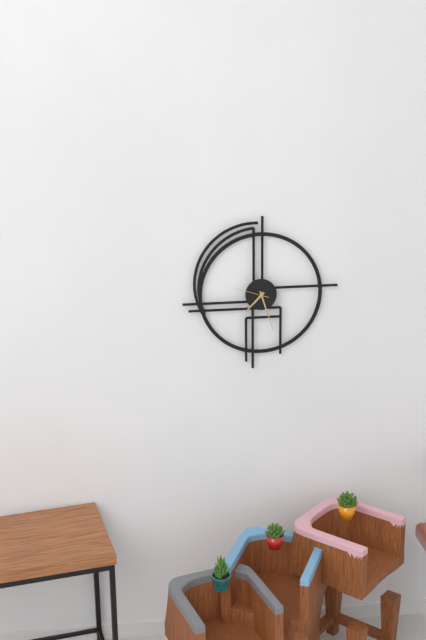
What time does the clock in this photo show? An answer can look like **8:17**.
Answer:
**7:27**
